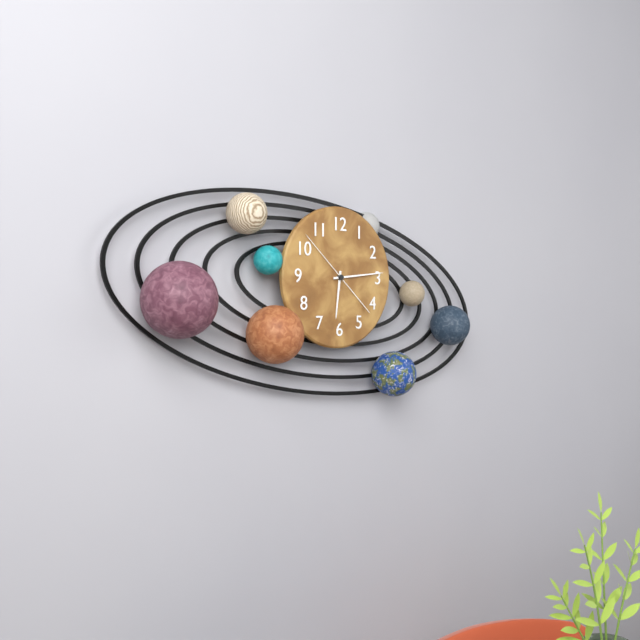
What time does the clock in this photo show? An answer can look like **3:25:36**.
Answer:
**6:14:52**
